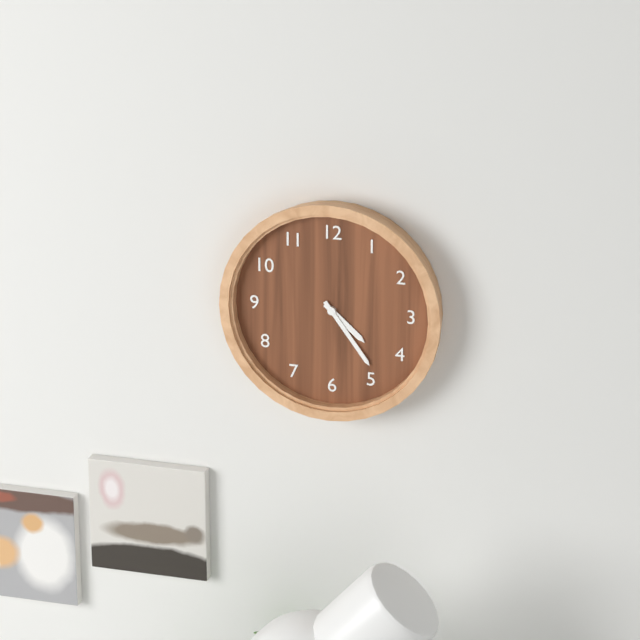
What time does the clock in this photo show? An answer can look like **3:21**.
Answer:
**4:24**
